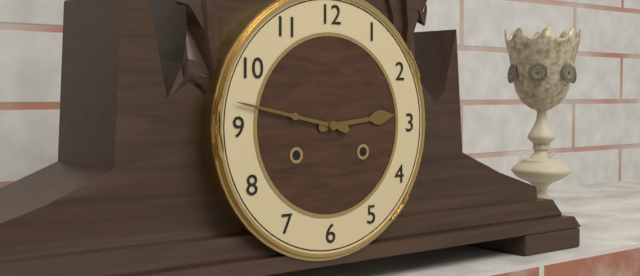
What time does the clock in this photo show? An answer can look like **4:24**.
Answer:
**2:47**
